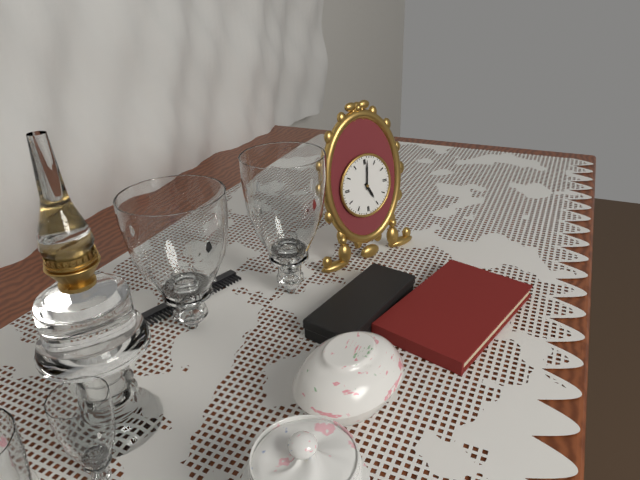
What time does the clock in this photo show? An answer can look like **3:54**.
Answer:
**5:01**
